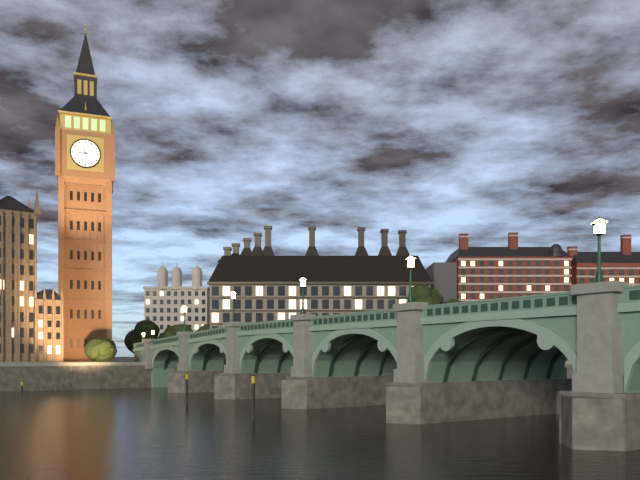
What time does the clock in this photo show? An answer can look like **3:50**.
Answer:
**8:57**
